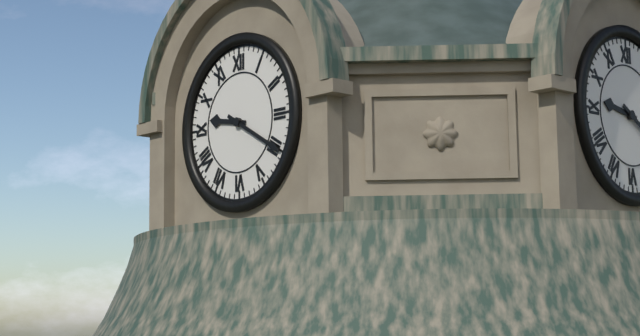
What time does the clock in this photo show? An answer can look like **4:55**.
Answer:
**9:20**
